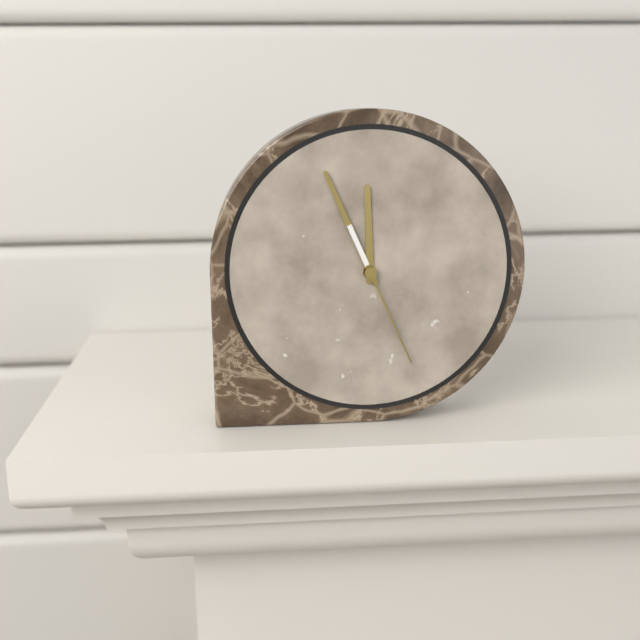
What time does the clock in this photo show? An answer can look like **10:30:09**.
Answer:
**11:56:26**
